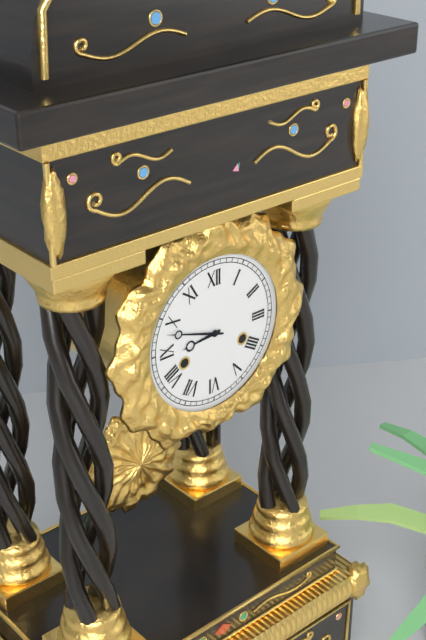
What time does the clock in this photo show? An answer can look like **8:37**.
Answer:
**8:48**
